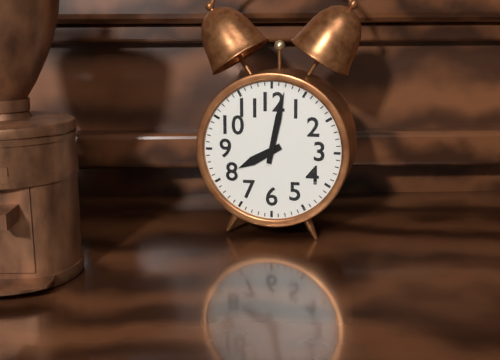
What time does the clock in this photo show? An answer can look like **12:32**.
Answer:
**8:02**
